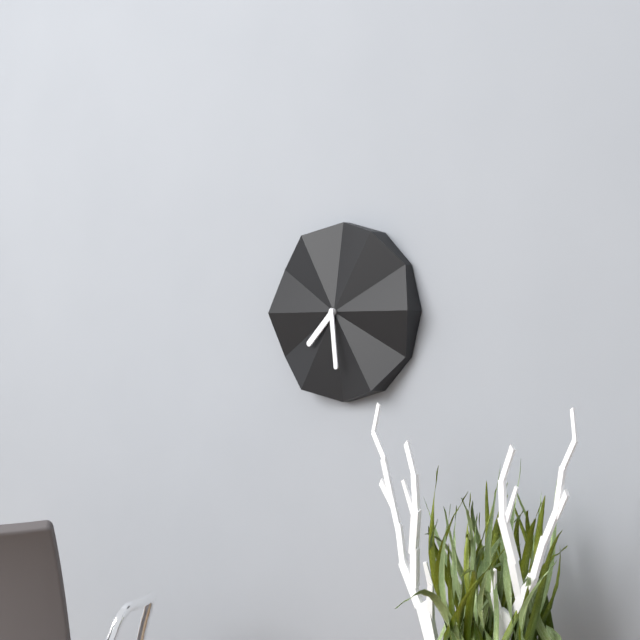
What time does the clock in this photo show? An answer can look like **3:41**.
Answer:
**7:29**
